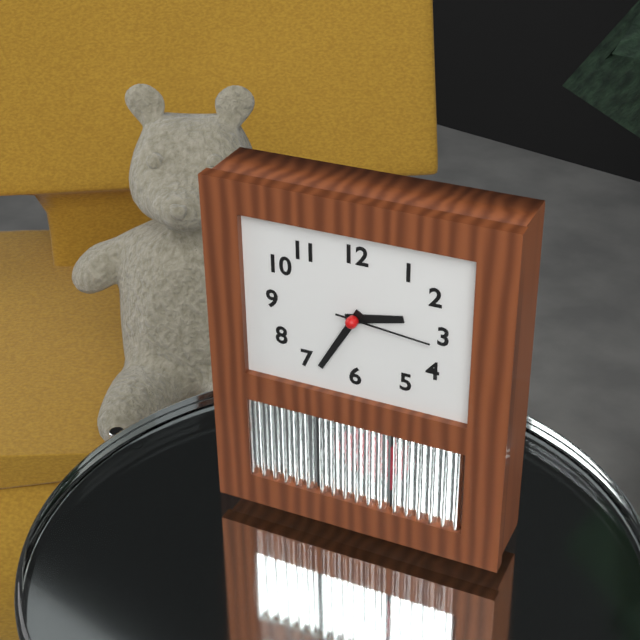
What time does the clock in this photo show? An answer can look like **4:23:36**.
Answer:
**2:35:16**
